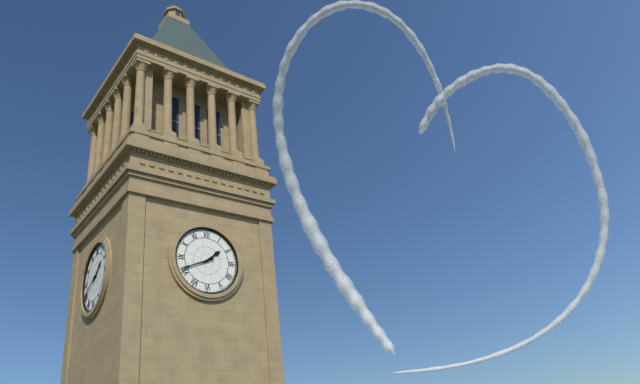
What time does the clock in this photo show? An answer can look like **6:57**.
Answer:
**1:41**
